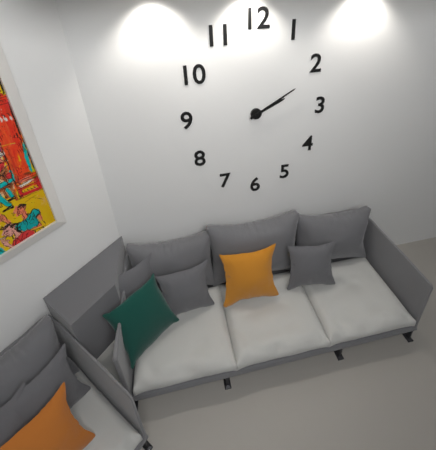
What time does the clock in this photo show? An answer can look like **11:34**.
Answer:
**2:10**
